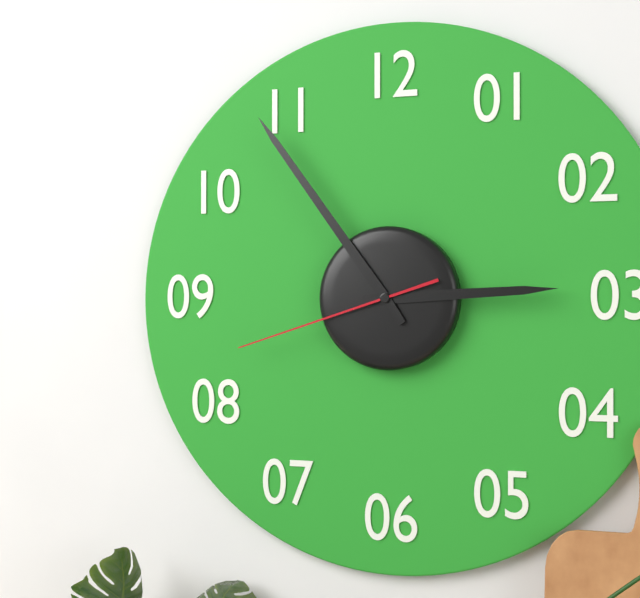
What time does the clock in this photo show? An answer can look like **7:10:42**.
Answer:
**2:54:42**
